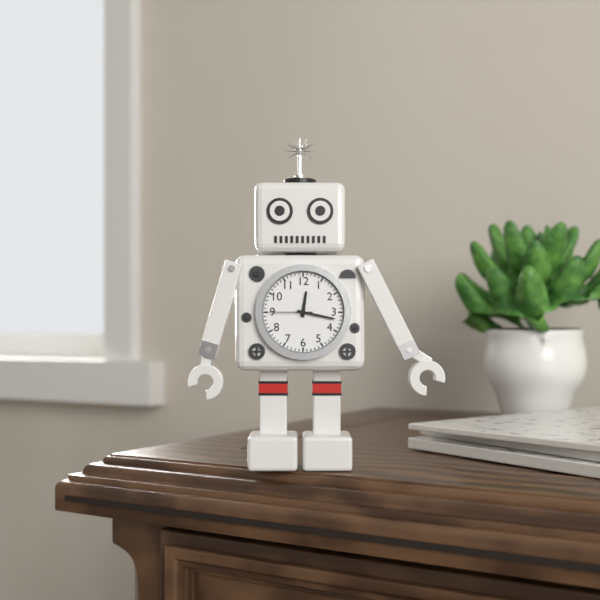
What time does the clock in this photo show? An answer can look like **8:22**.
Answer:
**12:17**
